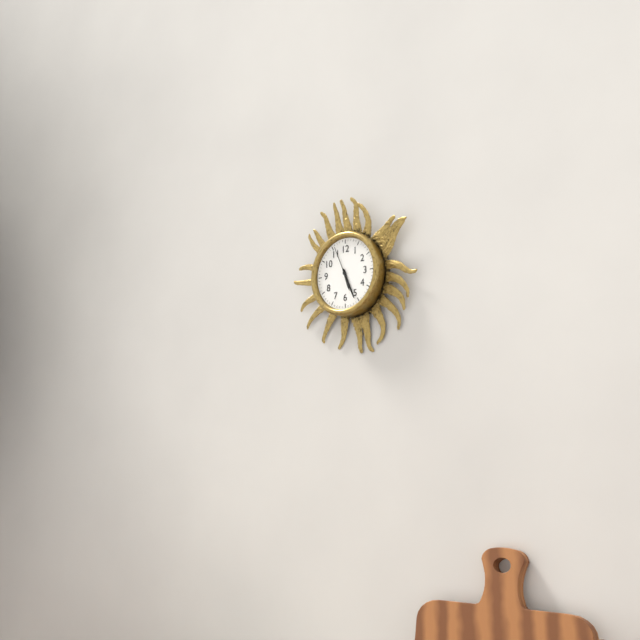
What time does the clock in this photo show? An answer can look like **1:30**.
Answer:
**5:26**
